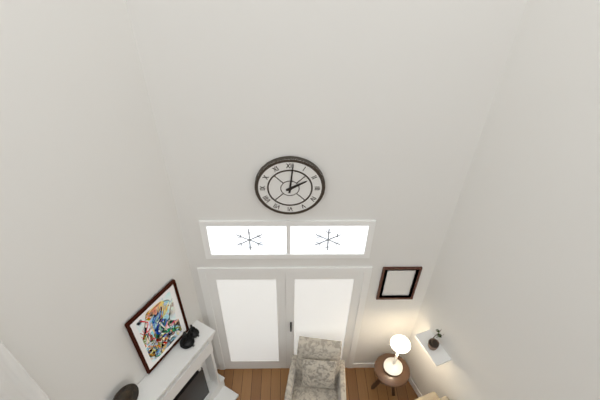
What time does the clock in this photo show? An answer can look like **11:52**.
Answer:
**2:01**
